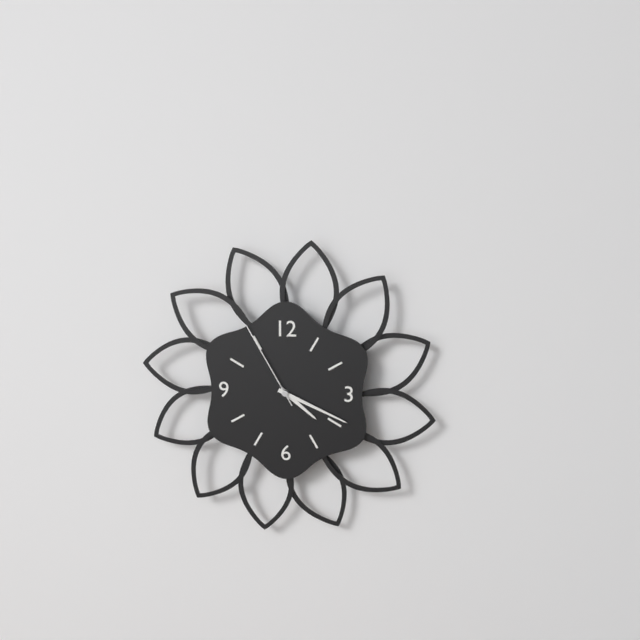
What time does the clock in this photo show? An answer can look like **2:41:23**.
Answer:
**4:19:55**
